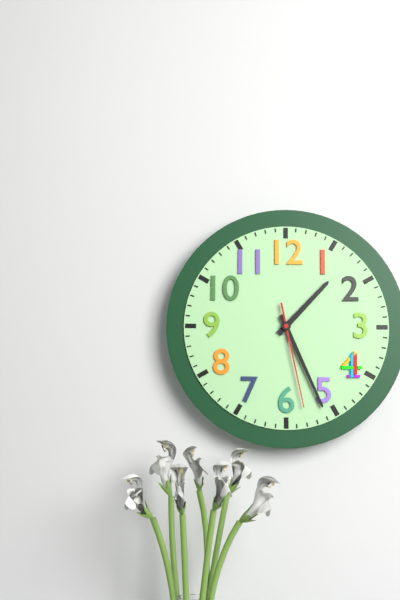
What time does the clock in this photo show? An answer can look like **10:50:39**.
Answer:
**1:26:28**
